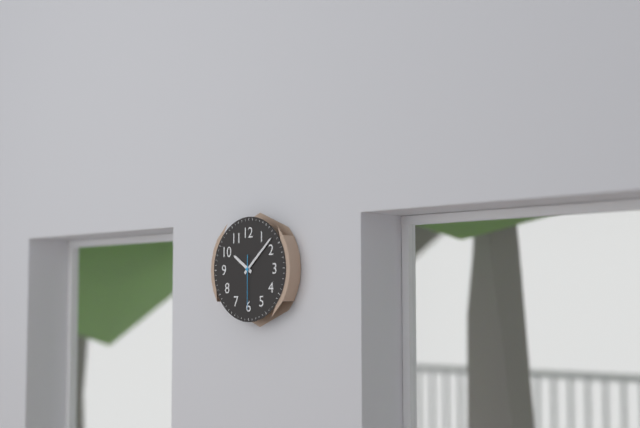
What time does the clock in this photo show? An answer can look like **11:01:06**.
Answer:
**10:08:30**
